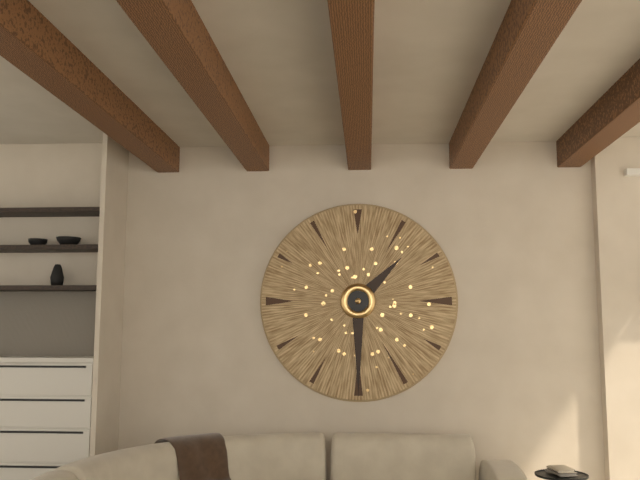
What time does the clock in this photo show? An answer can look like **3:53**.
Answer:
**1:30**
